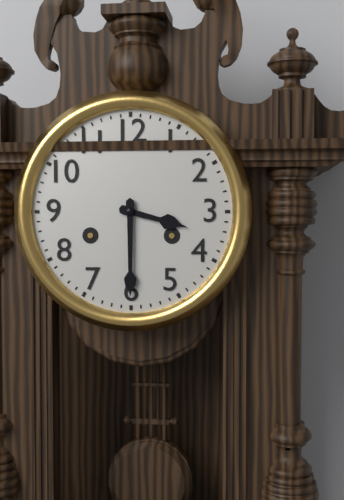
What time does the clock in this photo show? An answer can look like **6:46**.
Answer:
**3:30**
